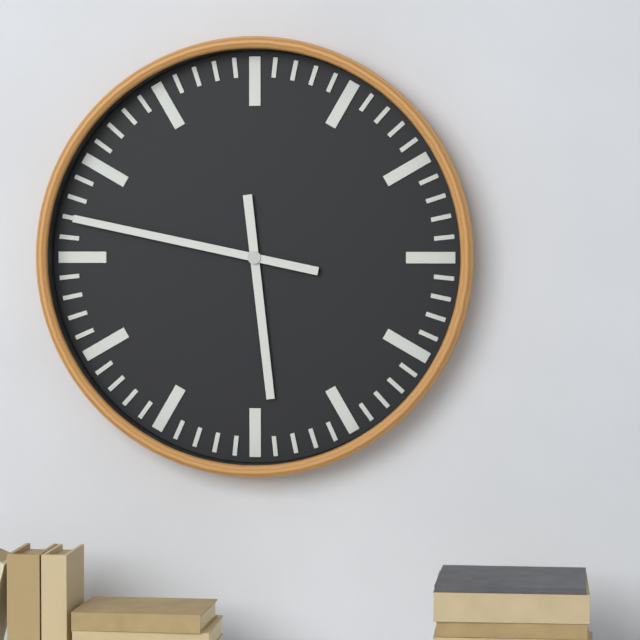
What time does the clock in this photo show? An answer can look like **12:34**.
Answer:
**5:47**
